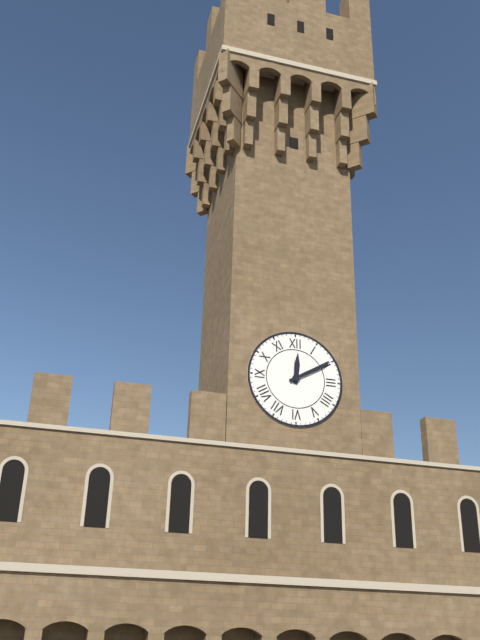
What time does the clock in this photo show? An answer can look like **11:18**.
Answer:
**12:10**
